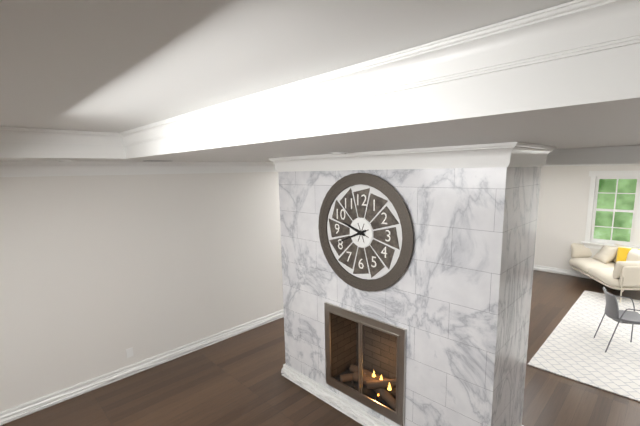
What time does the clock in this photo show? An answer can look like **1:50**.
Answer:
**9:41**
